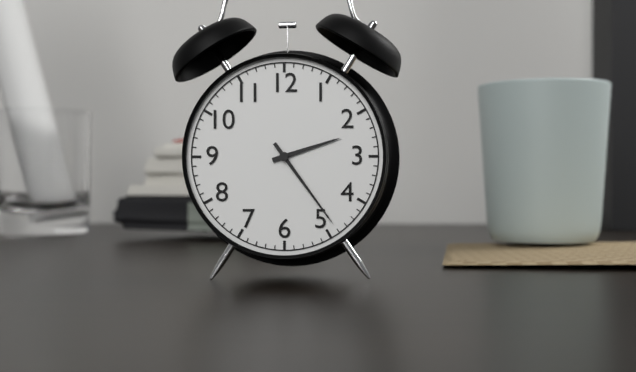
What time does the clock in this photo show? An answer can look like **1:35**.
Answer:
**2:24**
